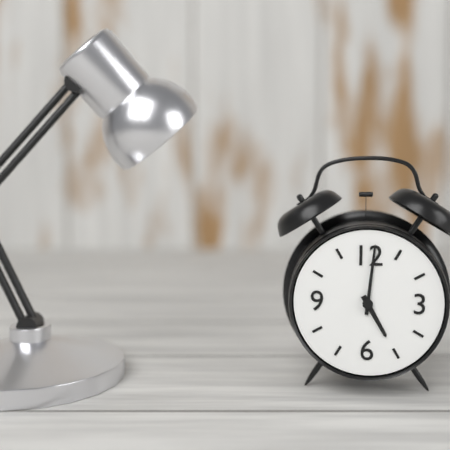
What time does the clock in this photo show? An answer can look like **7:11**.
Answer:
**5:01**
